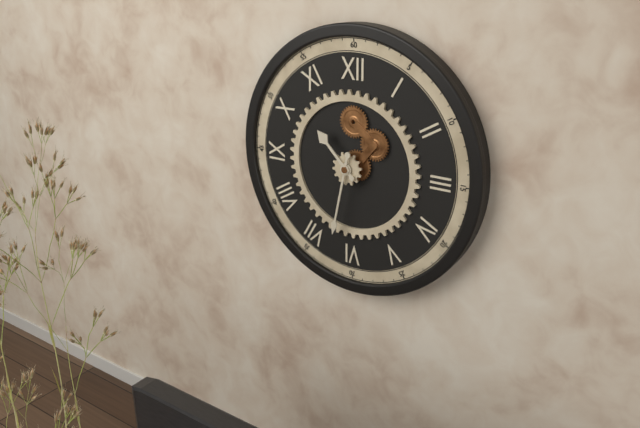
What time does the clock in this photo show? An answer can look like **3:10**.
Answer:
**10:32**
